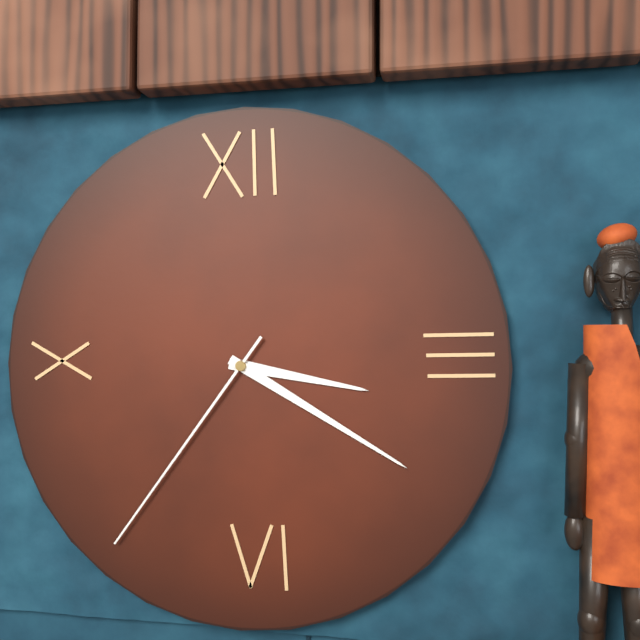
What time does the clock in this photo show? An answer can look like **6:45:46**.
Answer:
**3:20:36**
